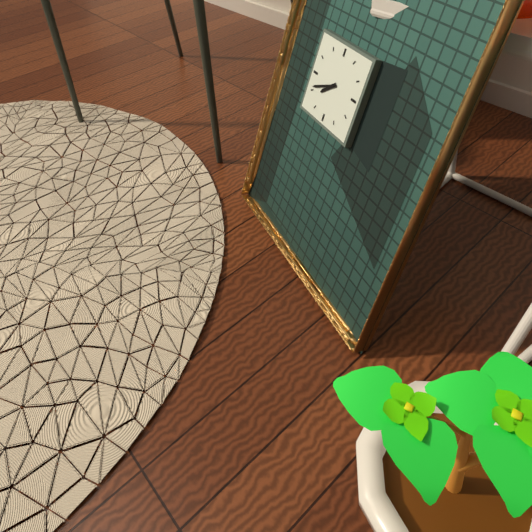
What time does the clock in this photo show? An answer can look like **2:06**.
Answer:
**7:41**
